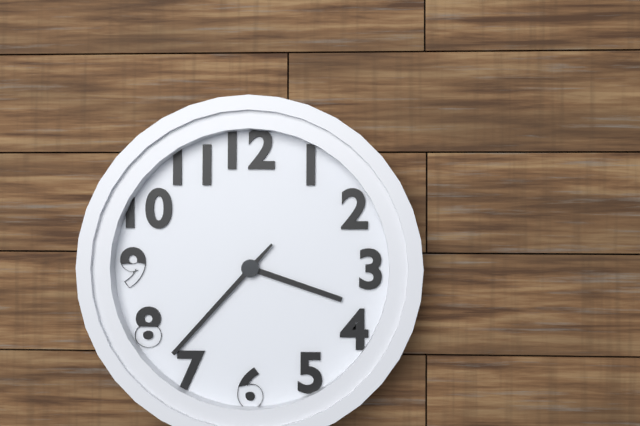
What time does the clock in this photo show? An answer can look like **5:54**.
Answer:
**3:37**
